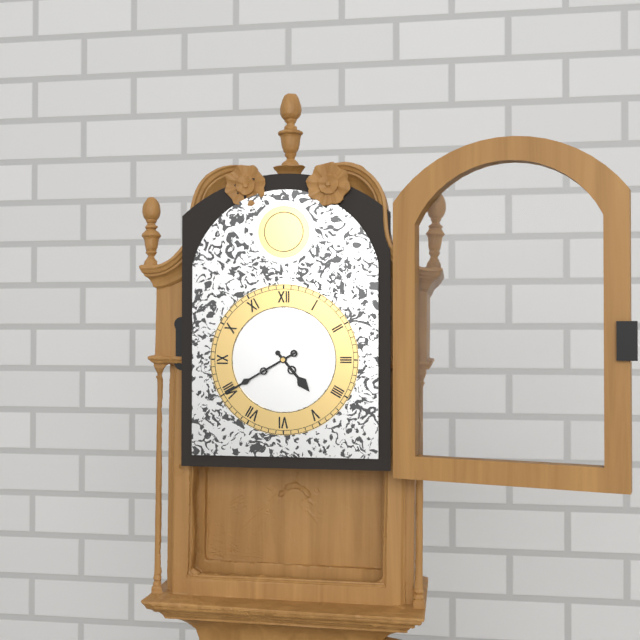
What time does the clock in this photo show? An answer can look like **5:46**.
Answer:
**4:40**
